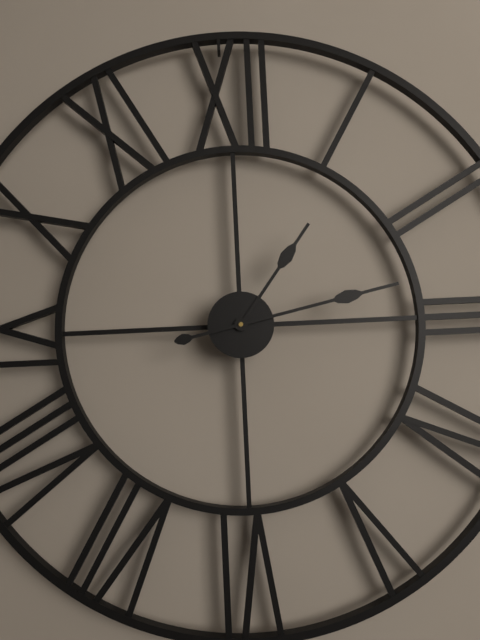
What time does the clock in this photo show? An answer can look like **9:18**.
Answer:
**1:13**
